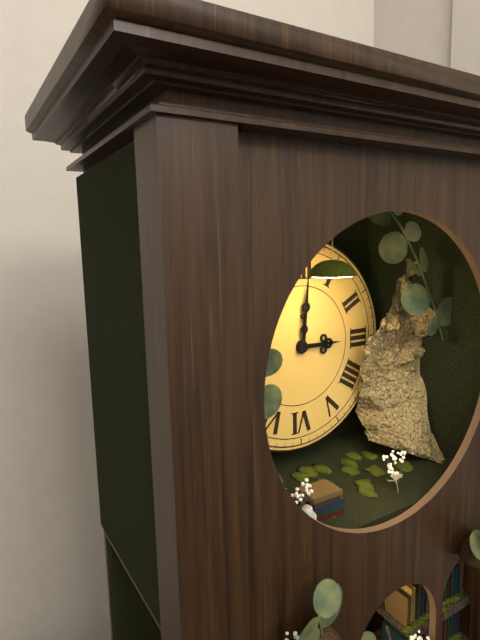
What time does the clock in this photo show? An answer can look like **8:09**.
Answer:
**3:01**
